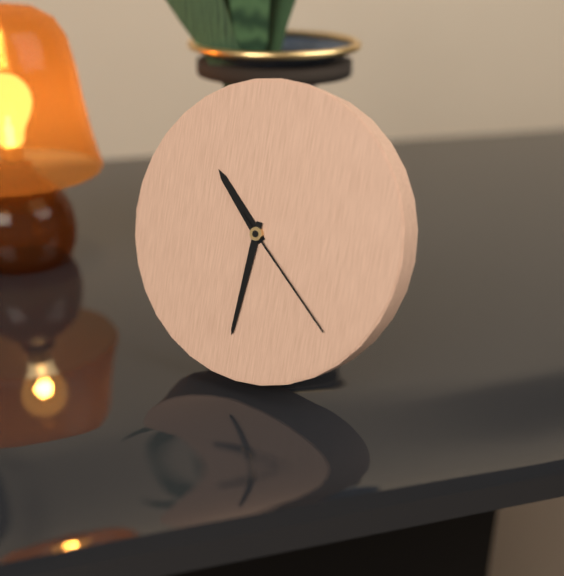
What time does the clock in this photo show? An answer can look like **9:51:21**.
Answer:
**10:31:22**
